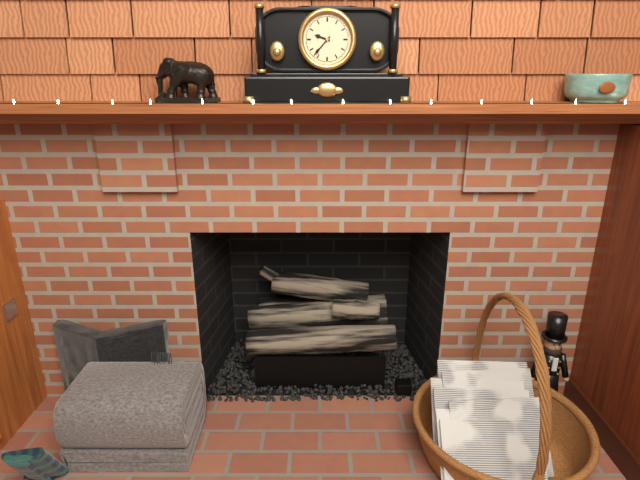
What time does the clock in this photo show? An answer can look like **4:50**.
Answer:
**9:37**
